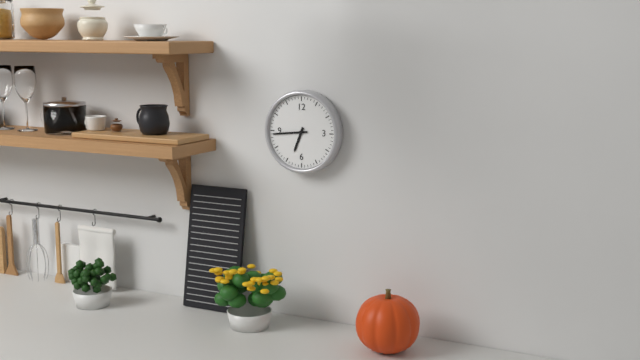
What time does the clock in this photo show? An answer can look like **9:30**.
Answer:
**6:44**
